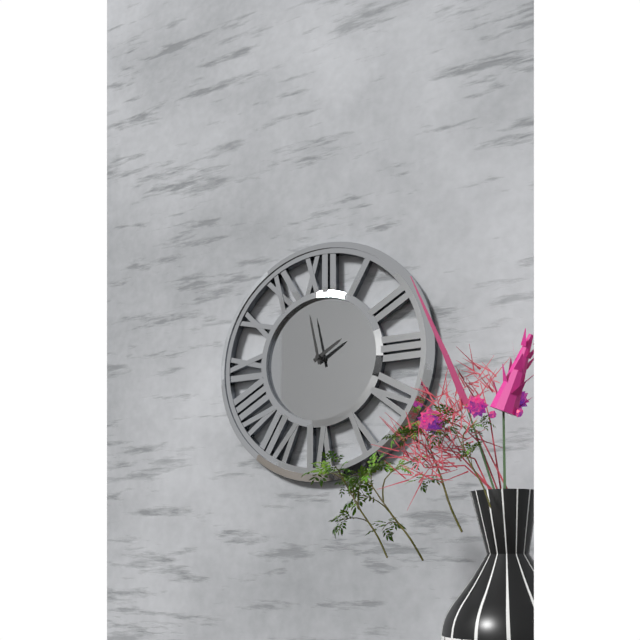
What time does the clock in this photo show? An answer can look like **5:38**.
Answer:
**1:58**
